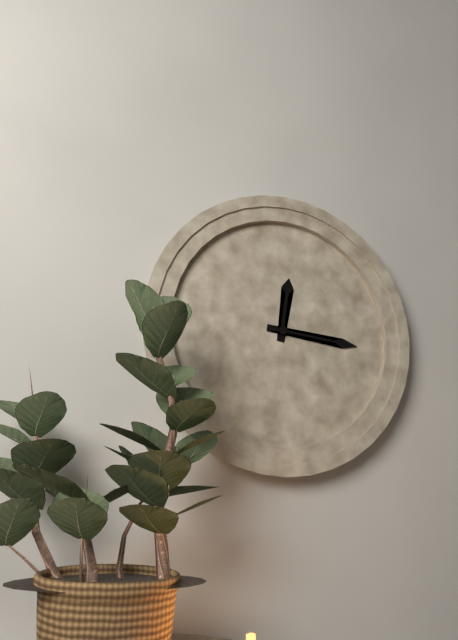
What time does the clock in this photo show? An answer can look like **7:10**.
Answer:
**12:16**
